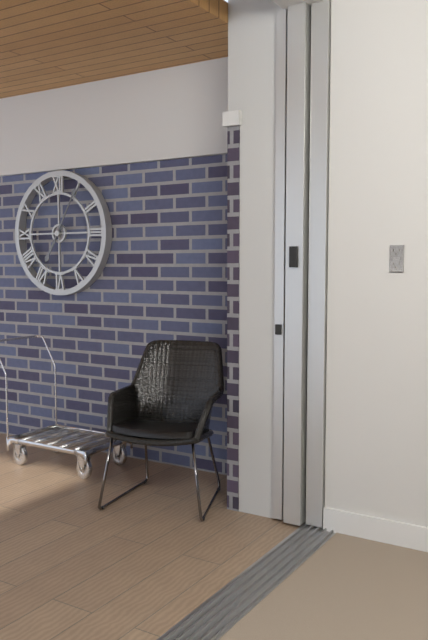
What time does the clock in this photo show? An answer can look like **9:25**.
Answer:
**7:05**
